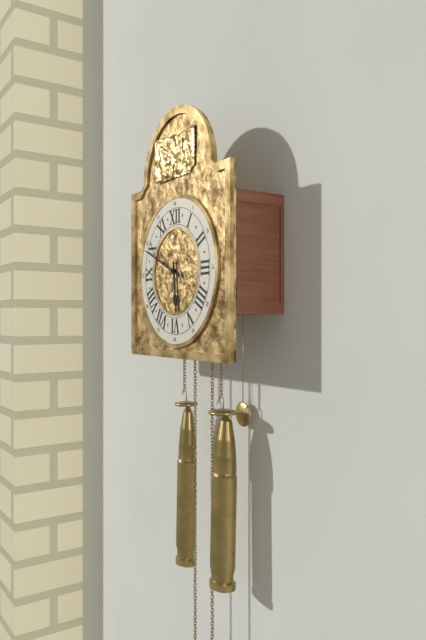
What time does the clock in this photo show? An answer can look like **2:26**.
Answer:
**5:49**
